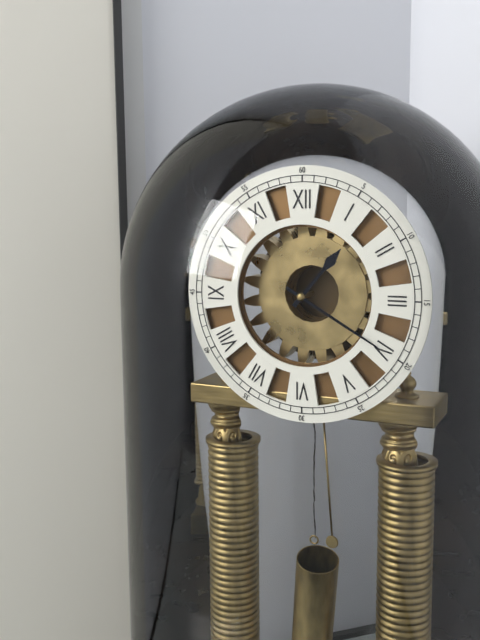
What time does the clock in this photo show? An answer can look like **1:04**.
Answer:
**1:20**
